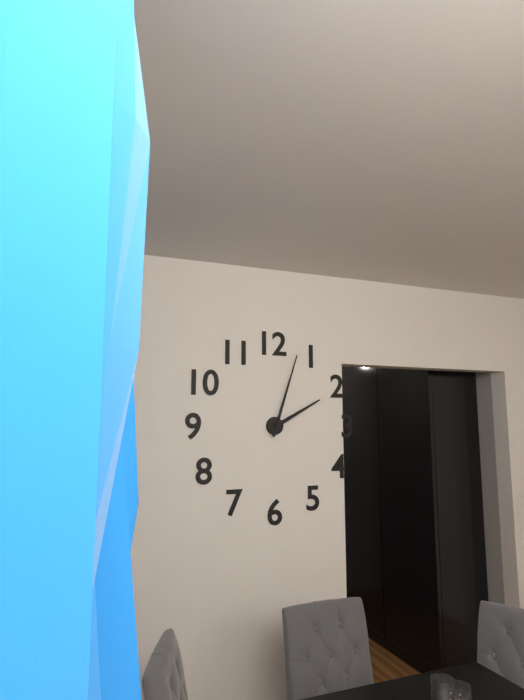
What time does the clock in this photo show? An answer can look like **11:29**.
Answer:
**2:03**
